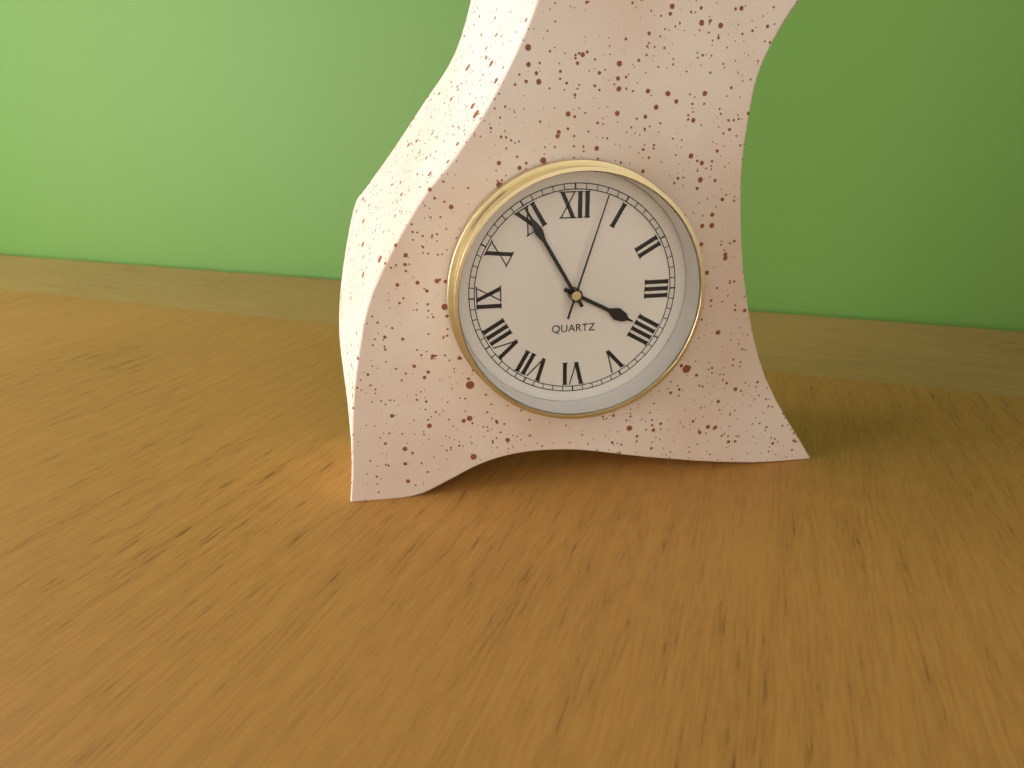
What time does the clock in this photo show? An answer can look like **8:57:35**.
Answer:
**3:55:03**
